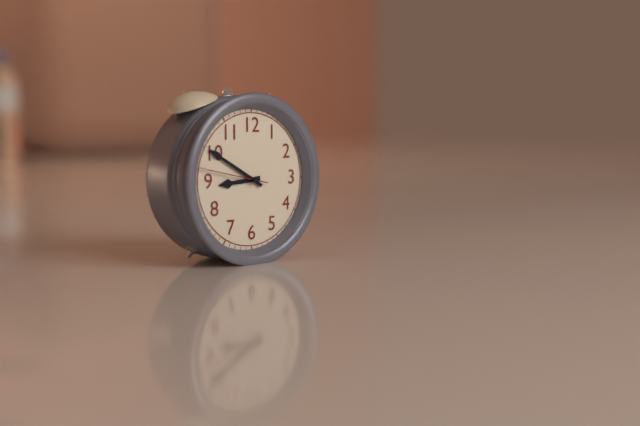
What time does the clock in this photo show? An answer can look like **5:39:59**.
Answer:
**8:50:47**
